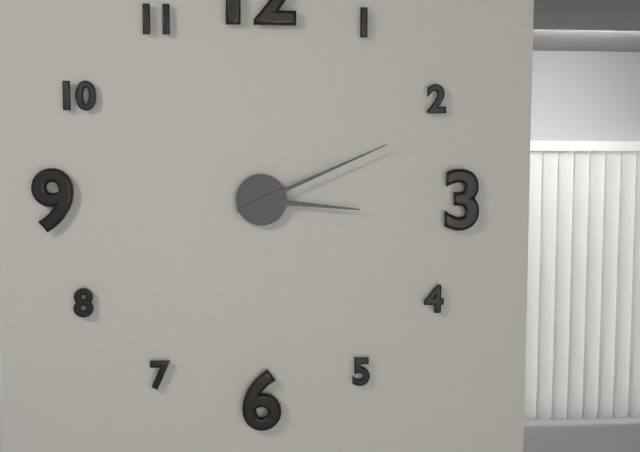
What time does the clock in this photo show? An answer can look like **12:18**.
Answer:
**3:11**
